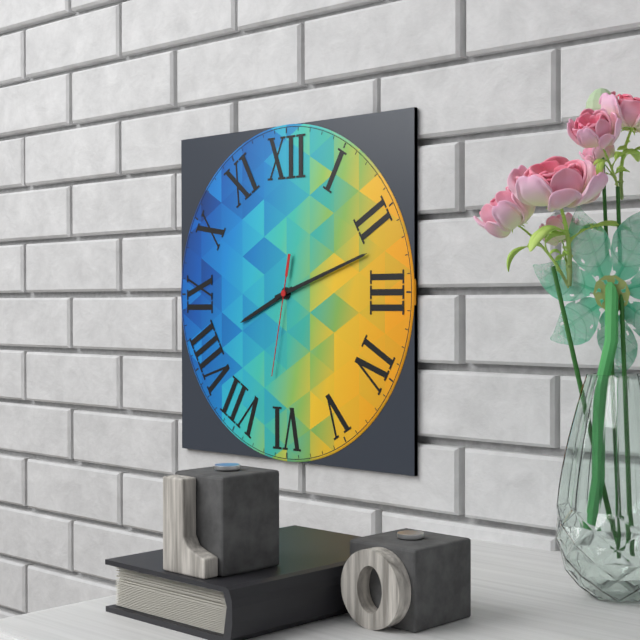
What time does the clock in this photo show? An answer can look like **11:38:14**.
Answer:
**8:12:32**
